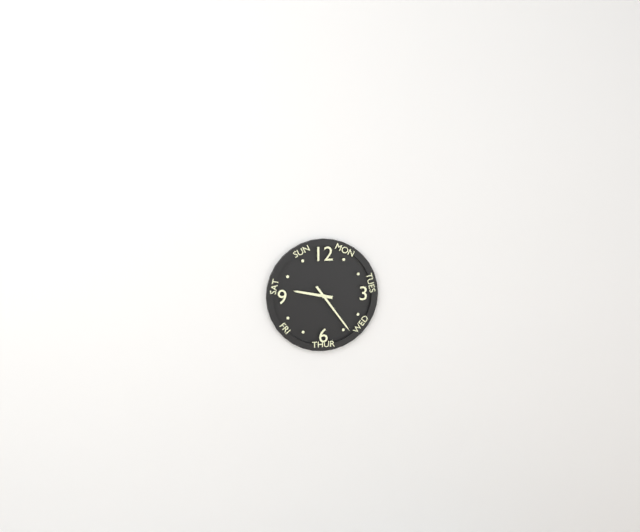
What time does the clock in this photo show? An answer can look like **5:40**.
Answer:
**9:24**
